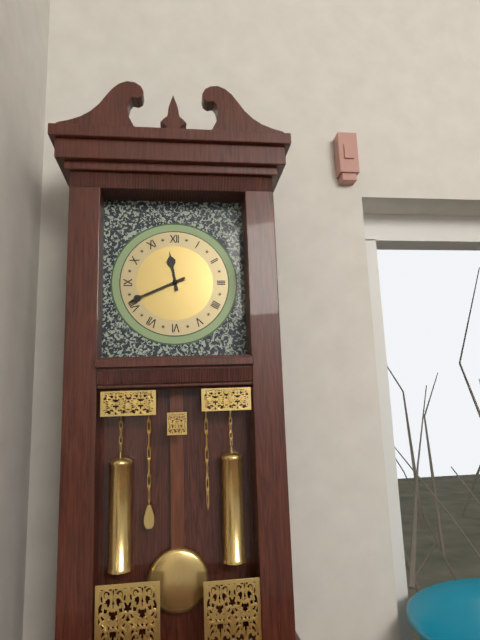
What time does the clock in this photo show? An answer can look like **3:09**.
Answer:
**11:41**
